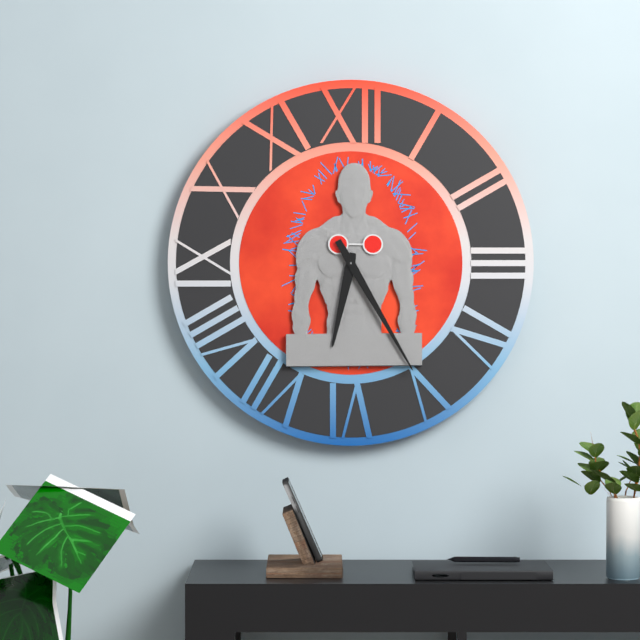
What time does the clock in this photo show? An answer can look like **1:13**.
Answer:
**6:25**
